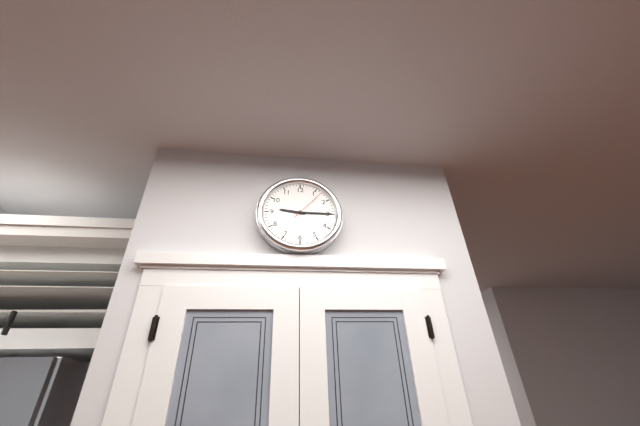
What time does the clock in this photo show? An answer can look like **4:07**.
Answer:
**9:15**
